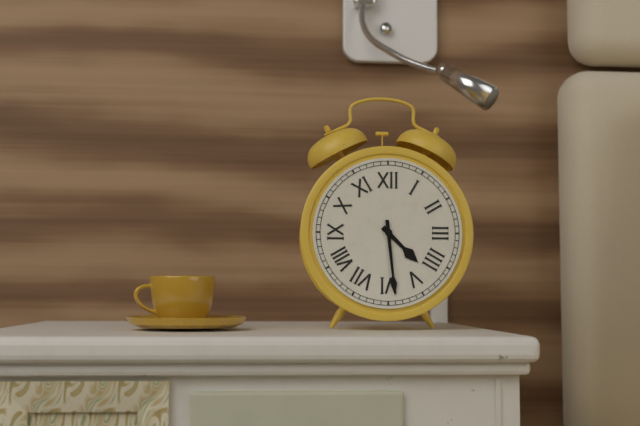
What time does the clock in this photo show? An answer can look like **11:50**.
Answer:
**4:29**
